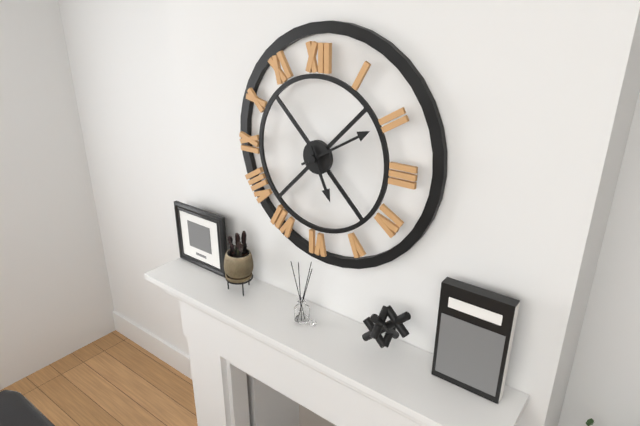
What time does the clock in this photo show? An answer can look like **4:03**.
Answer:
**5:10**
